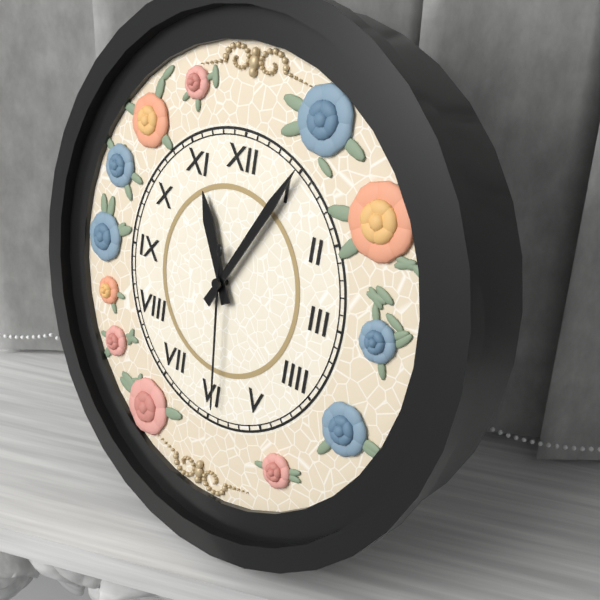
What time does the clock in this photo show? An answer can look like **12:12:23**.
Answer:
**11:05:29**
